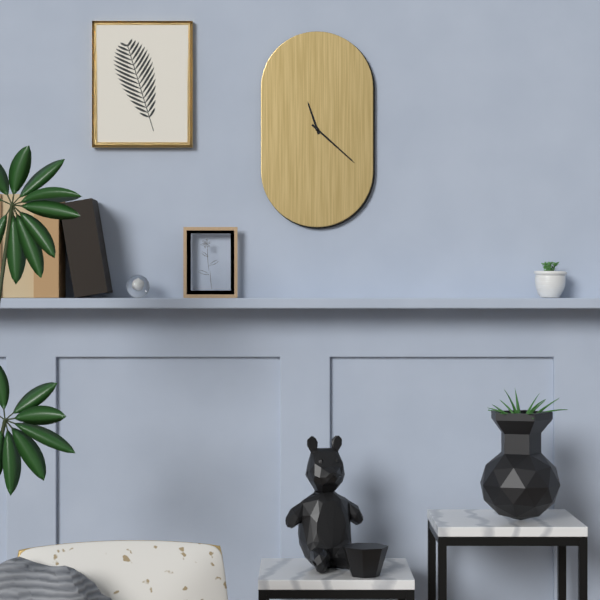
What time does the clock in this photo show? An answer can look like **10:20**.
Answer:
**11:22**
